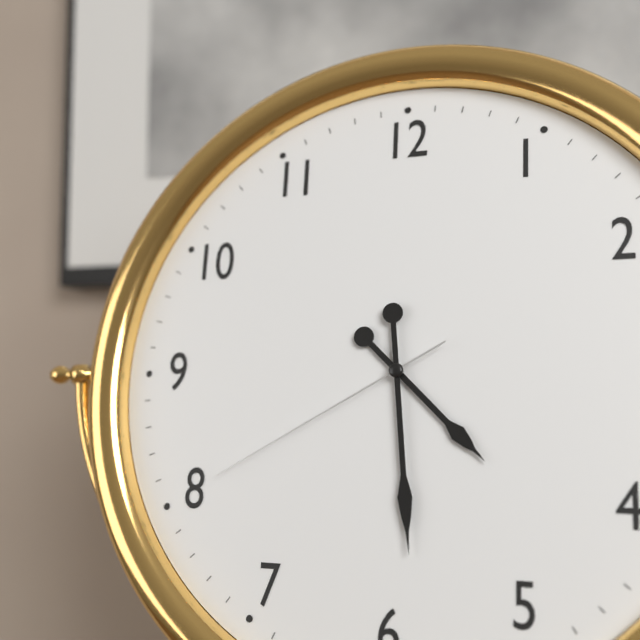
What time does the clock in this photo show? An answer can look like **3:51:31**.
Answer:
**4:29:40**
